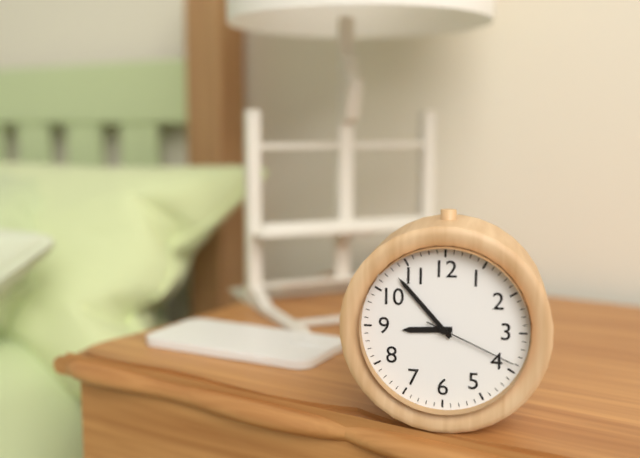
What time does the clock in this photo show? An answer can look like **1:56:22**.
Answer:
**8:53:19**
